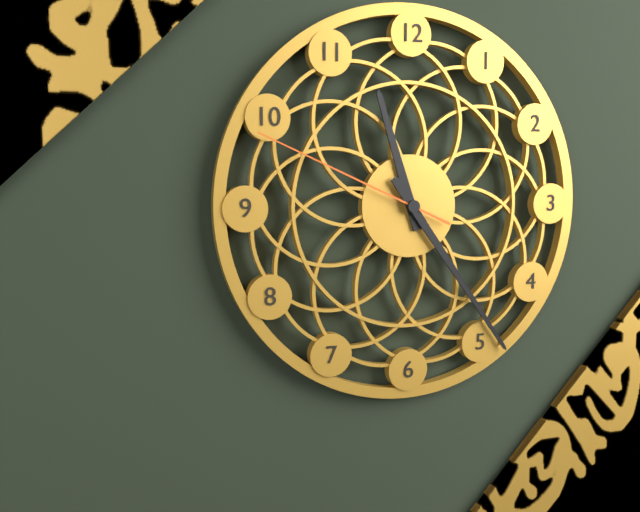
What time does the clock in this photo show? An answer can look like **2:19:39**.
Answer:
**11:24:49**
